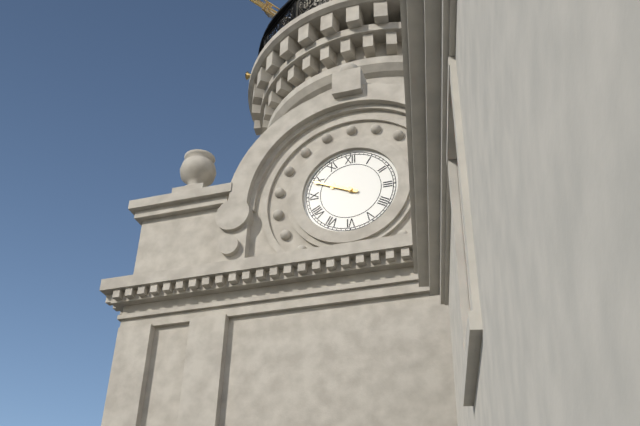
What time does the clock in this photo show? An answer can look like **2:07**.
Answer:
**9:49**
